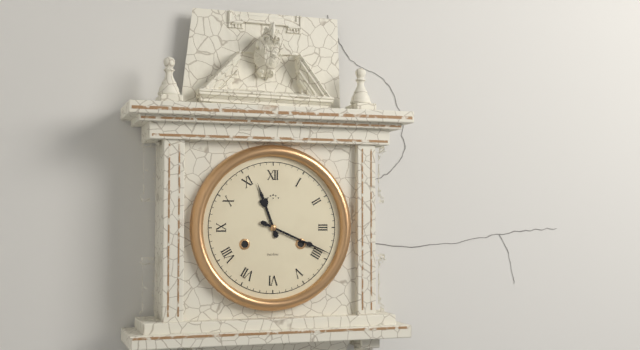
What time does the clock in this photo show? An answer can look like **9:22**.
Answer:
**11:19**
